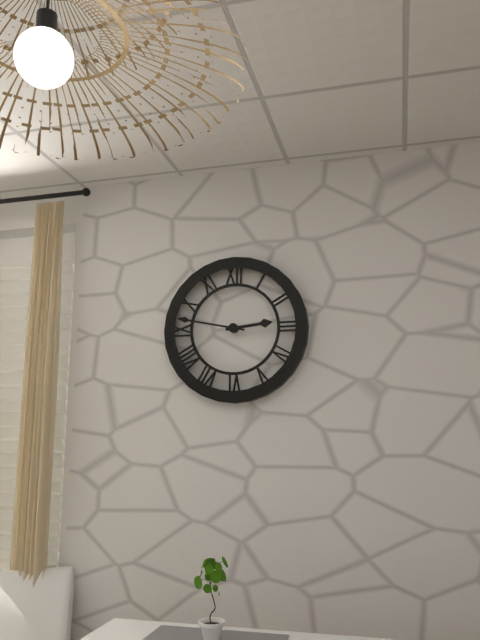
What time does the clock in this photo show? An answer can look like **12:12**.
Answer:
**2:47**
